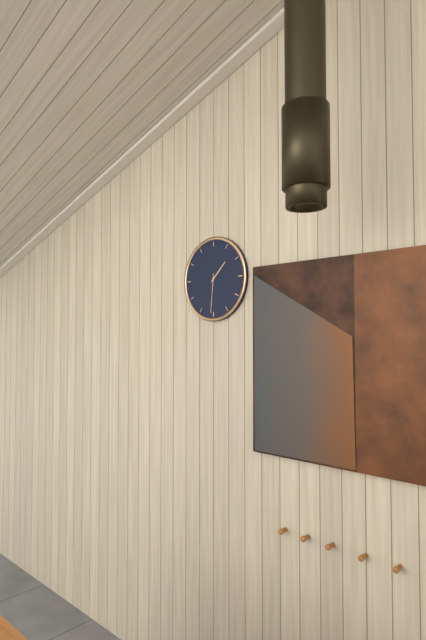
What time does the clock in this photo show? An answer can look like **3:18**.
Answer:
**1:31**
